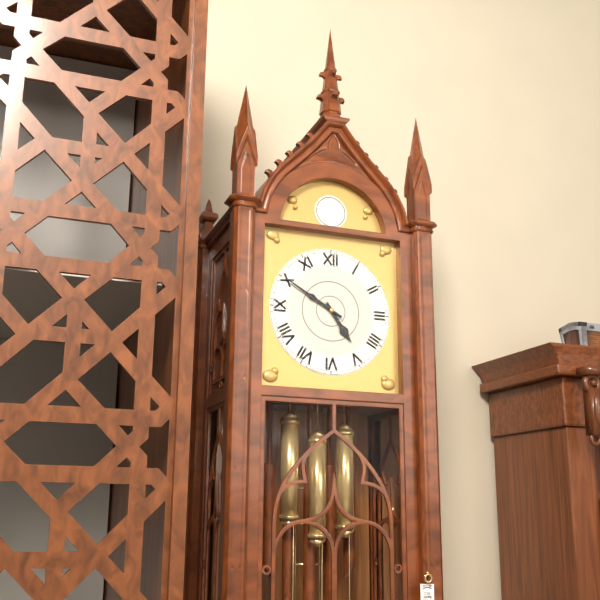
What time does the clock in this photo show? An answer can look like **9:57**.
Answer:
**4:50**
